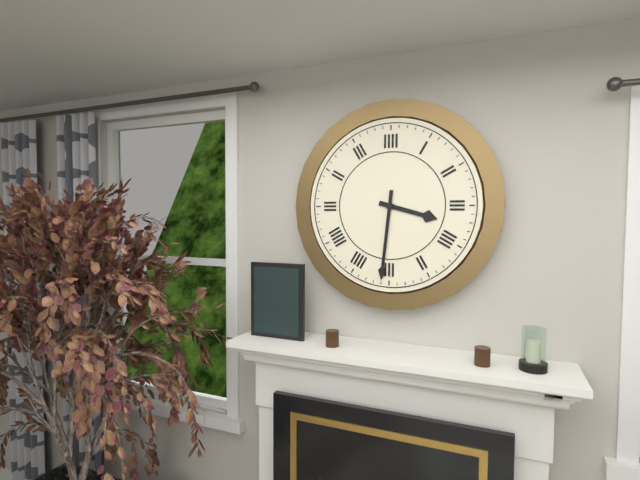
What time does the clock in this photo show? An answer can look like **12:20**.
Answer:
**3:31**
